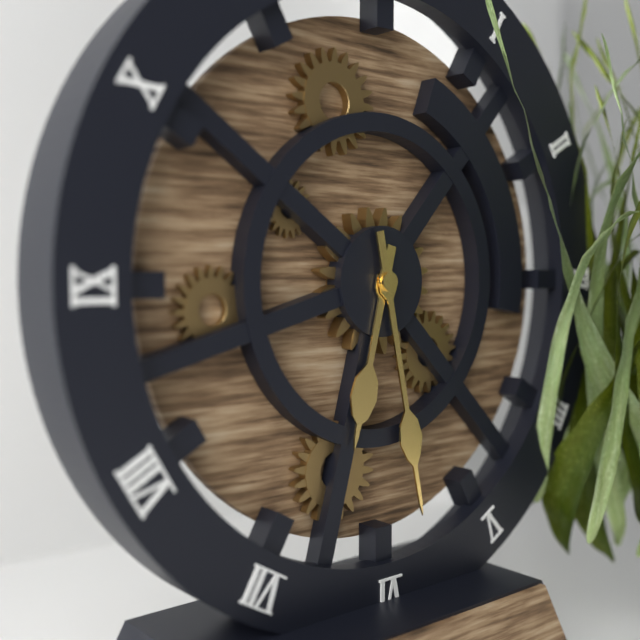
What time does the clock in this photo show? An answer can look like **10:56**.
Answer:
**6:28**
